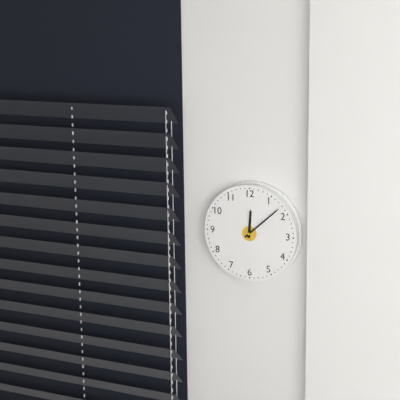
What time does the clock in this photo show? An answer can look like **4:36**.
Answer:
**12:08**
